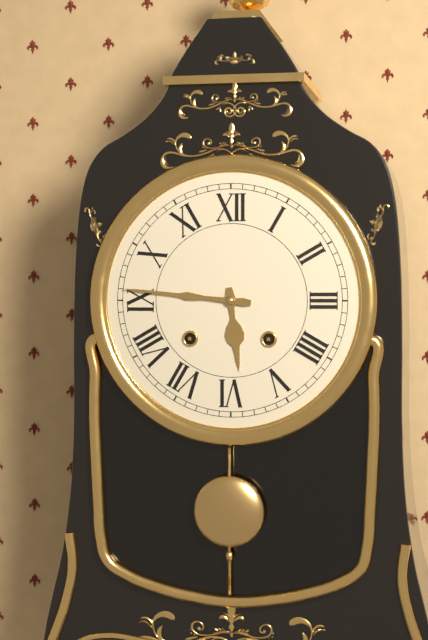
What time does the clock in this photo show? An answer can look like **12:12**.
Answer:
**5:46**
